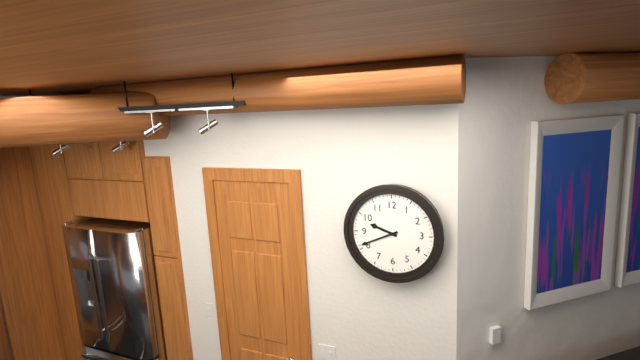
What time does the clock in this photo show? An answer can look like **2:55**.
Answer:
**9:41**
